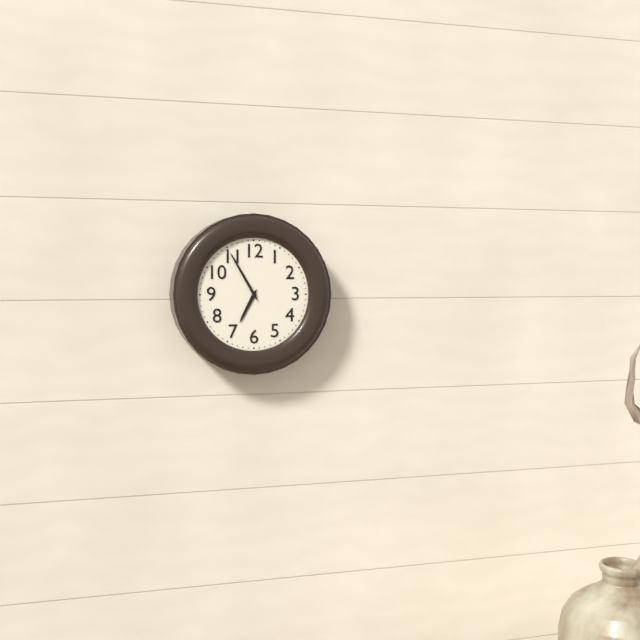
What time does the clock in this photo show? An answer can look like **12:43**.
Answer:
**6:55**
